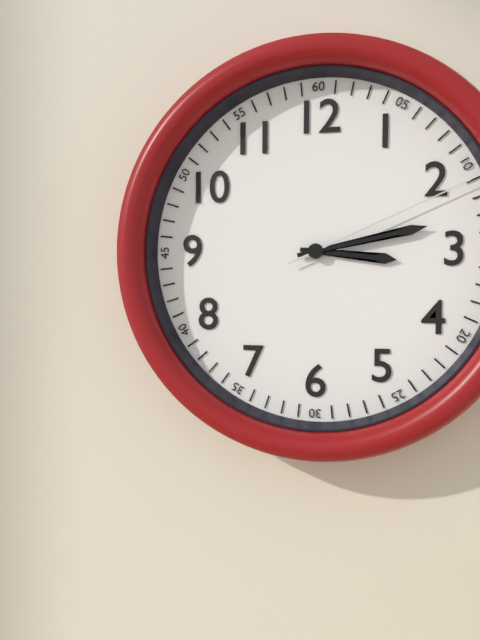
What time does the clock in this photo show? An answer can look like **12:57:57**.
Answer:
**3:13:11**
